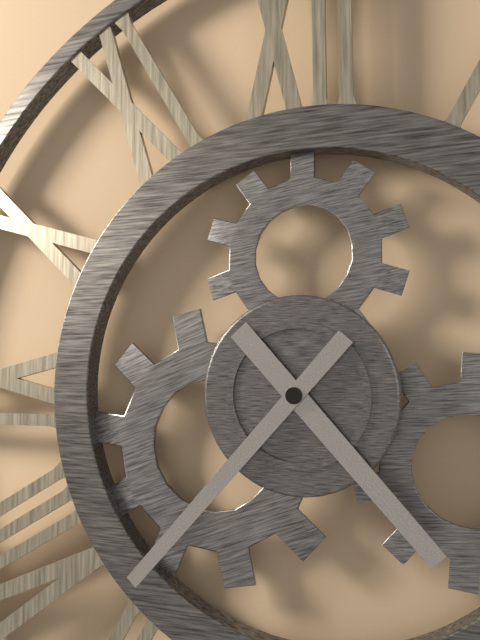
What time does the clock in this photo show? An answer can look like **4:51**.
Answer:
**4:37**
